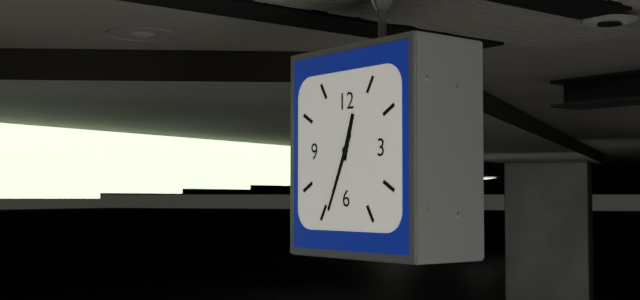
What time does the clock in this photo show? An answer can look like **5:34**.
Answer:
**12:34**
